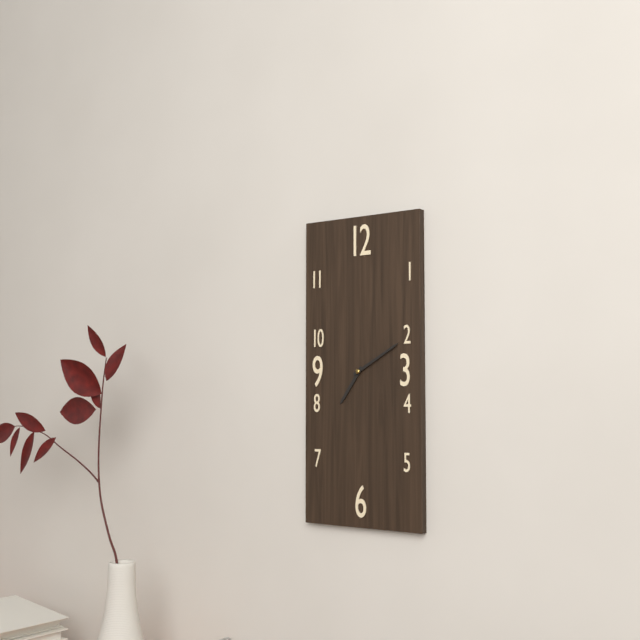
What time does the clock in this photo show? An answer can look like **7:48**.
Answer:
**7:10**
